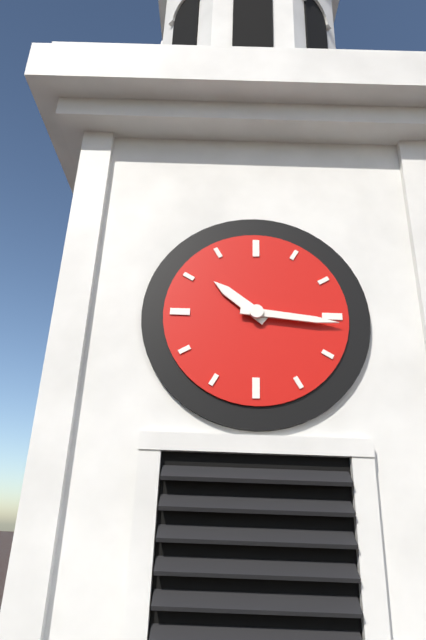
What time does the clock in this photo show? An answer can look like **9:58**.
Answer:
**10:16**
